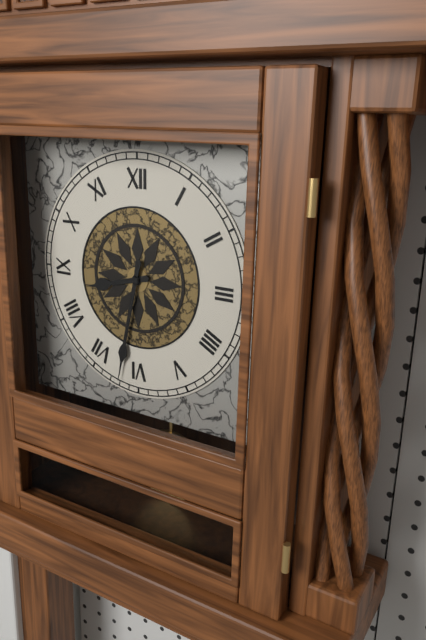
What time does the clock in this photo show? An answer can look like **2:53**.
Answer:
**8:32**
